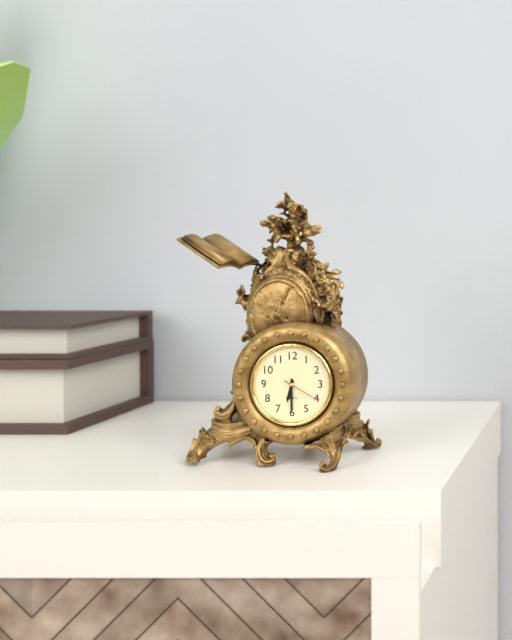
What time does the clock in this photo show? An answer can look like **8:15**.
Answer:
**6:30**
